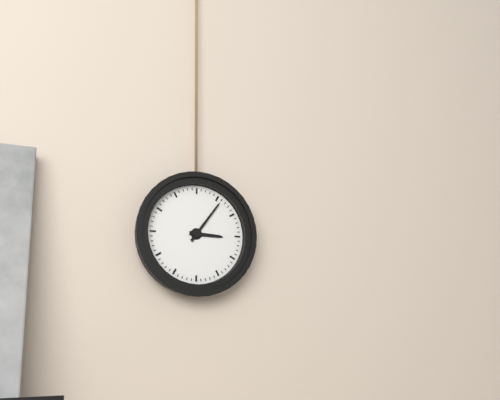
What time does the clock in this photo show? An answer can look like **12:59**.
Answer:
**3:06**
